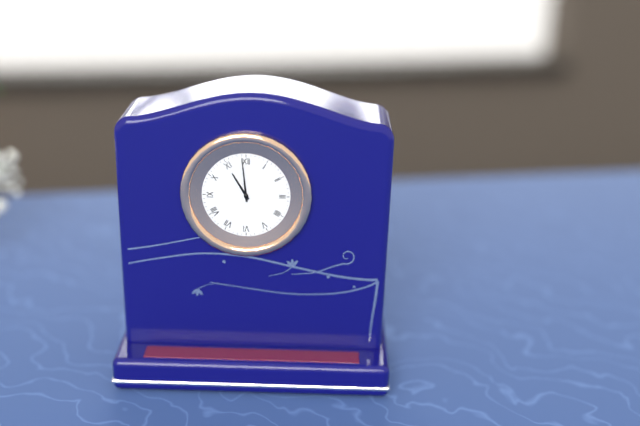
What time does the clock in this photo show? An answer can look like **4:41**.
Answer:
**10:59**
